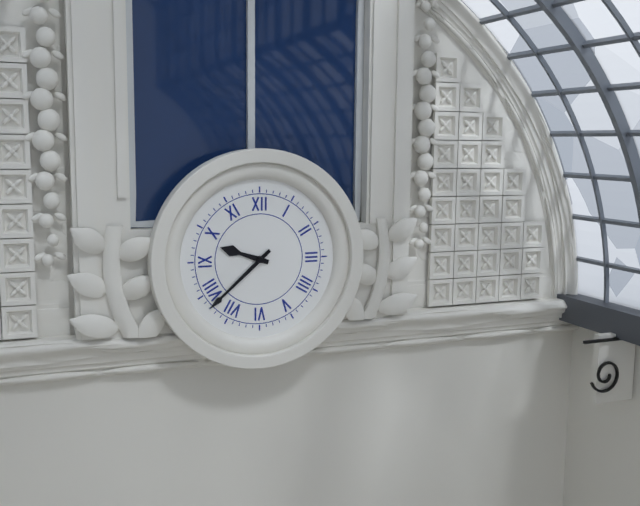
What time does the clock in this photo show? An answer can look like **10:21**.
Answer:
**9:38**
